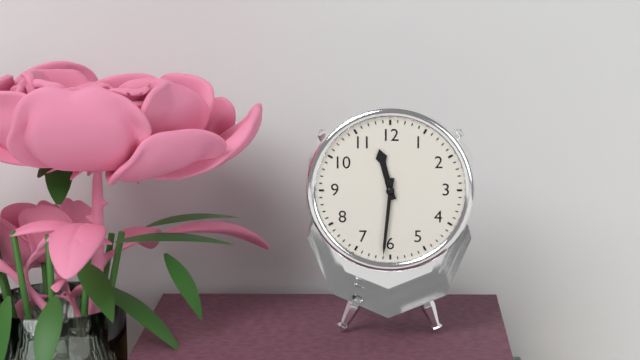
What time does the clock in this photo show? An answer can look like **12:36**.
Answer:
**11:31**
